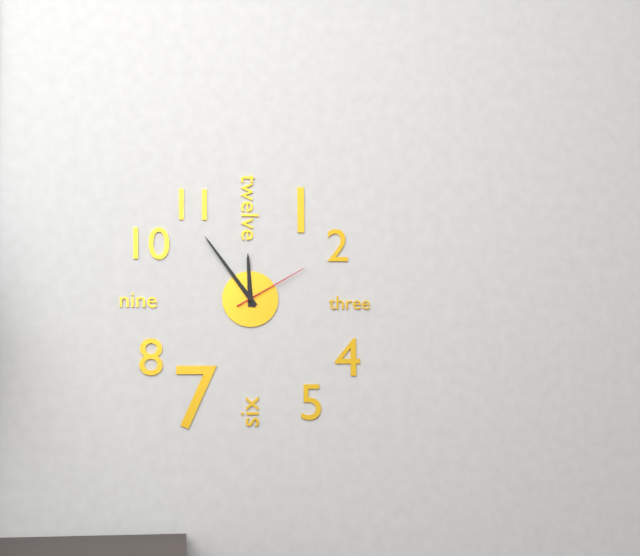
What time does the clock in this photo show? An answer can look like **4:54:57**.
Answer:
**11:54:10**
